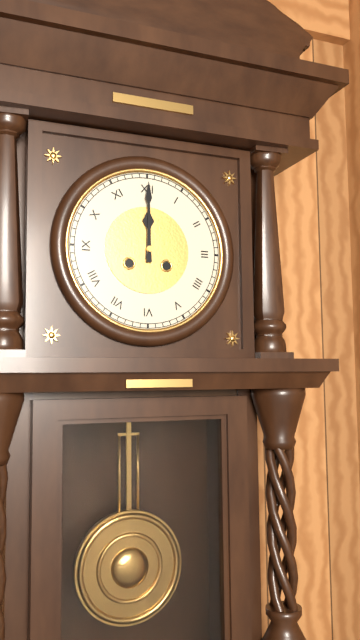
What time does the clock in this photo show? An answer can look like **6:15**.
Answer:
**12:00**
